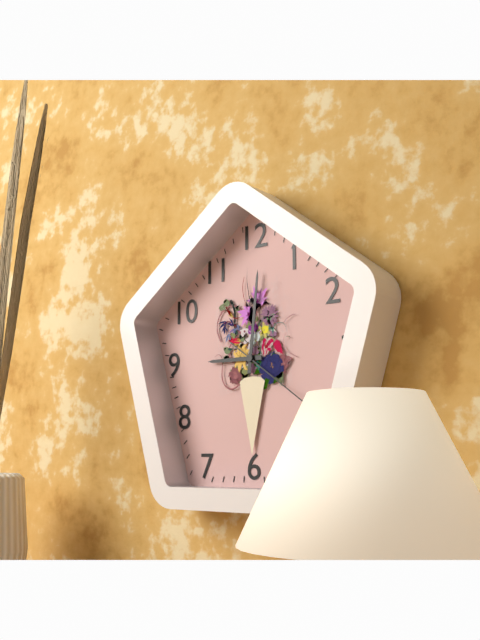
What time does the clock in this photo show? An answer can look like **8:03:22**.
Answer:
**9:01:21**
